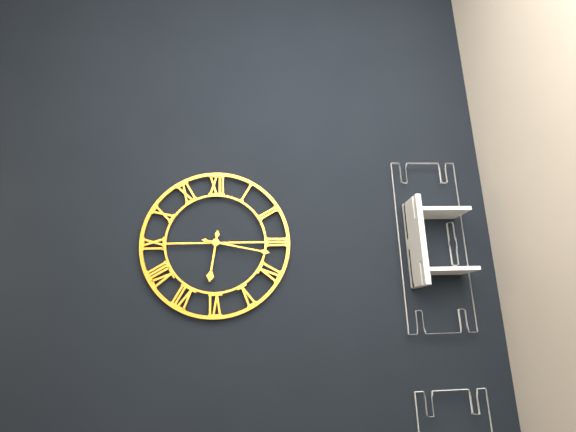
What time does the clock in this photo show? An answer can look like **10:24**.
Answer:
**6:17**
